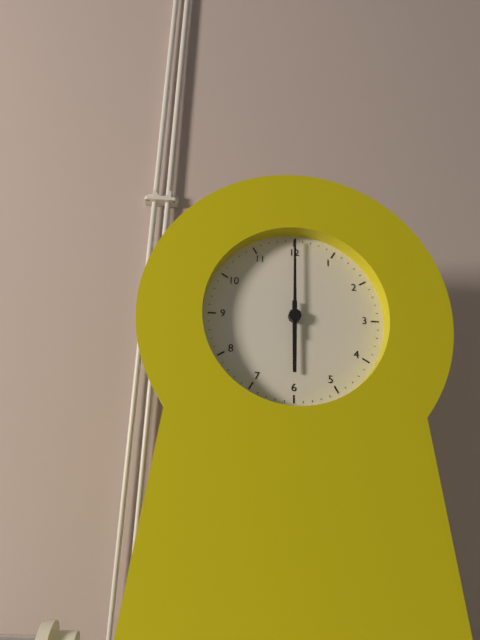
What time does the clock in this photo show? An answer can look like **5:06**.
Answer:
**6:00**
